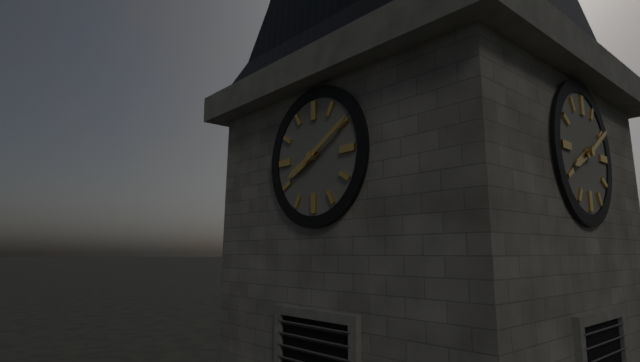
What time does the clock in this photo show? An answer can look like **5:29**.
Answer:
**8:10**
